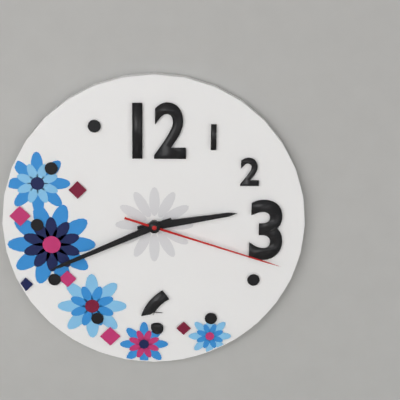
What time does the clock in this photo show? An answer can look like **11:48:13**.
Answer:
**2:41:18**
